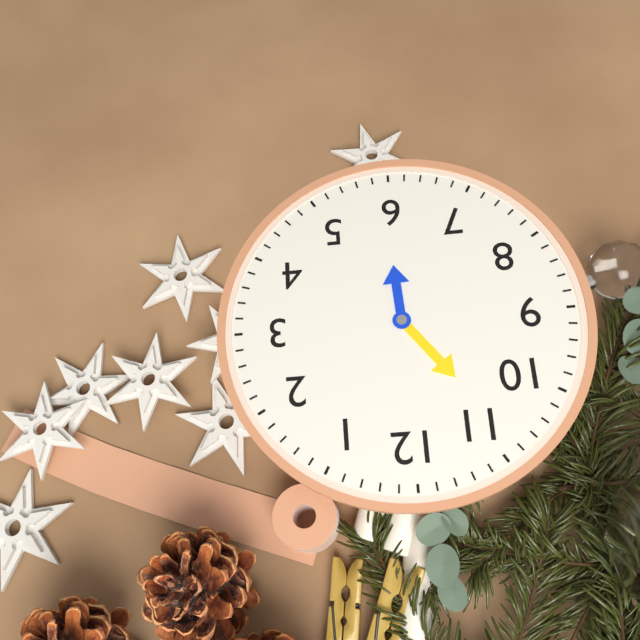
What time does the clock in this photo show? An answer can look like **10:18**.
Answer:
**5:54**
